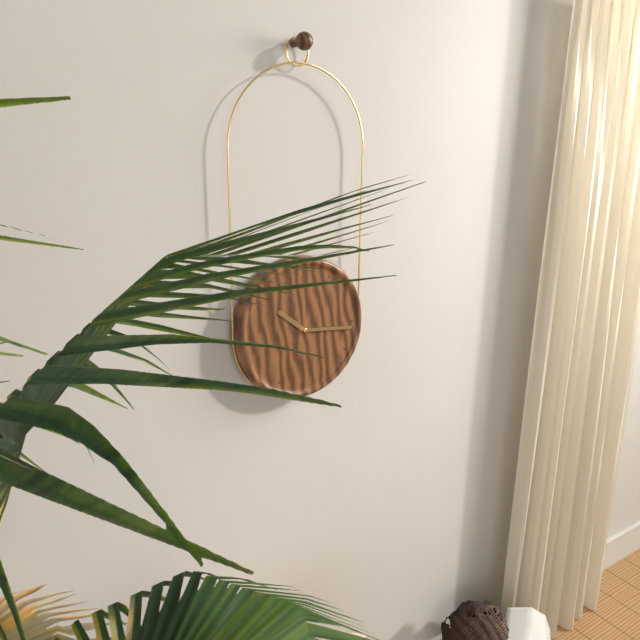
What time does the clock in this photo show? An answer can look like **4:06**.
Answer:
**10:16**
